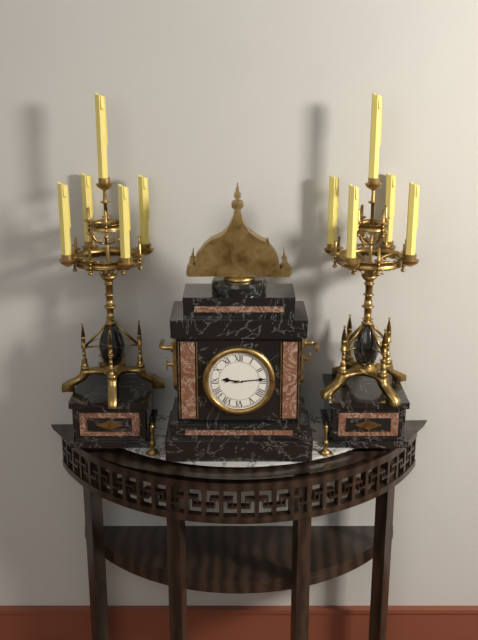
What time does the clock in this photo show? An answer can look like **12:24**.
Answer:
**9:14**
